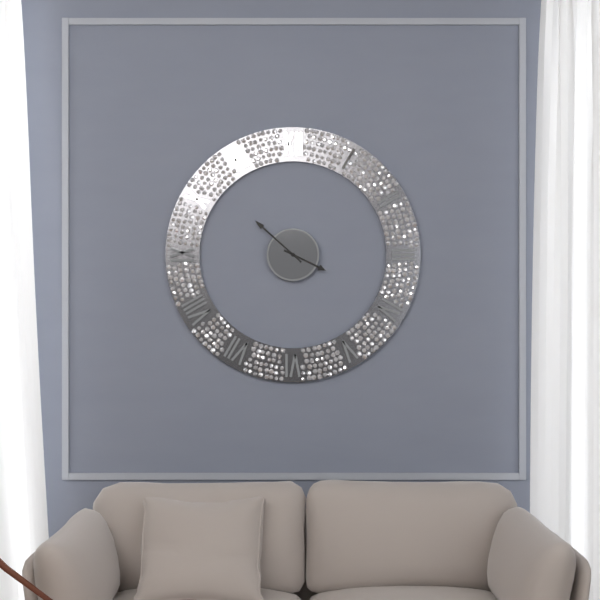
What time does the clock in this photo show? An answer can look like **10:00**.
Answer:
**3:52**
